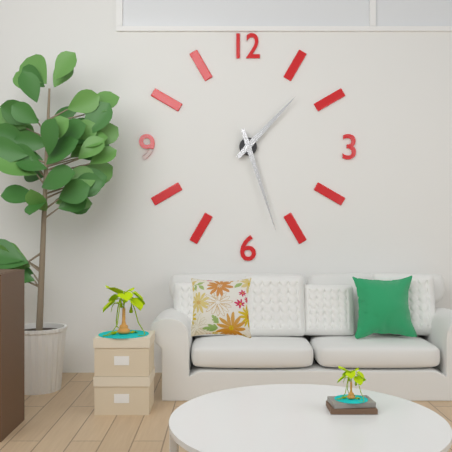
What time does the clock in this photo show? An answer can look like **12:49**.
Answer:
**1:27**
